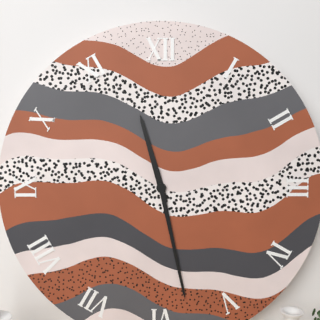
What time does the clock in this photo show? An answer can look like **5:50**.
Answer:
**11:28**
